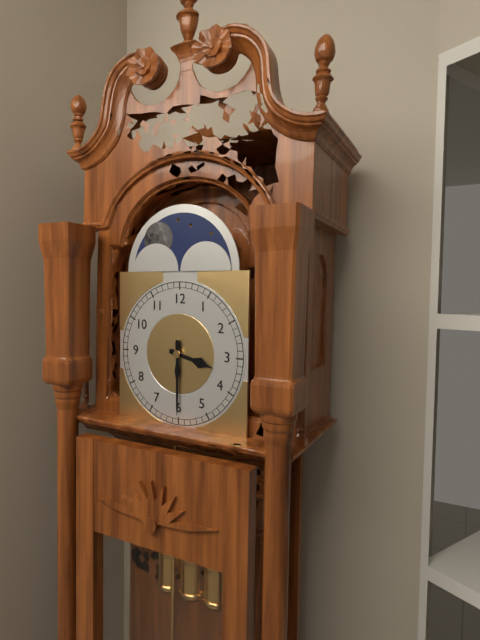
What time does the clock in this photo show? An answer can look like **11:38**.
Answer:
**3:30**
